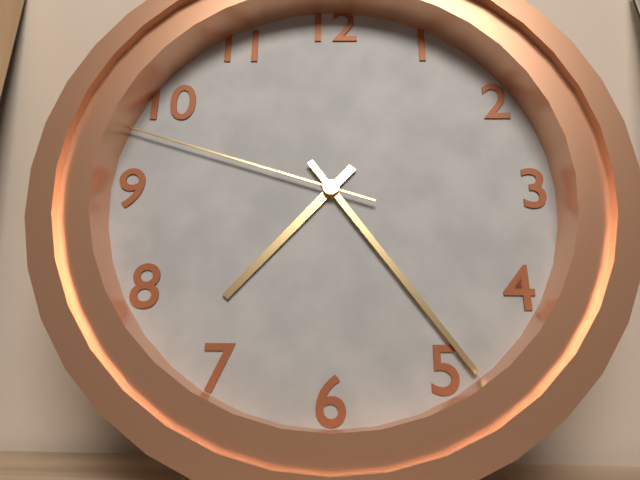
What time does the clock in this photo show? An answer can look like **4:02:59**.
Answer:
**7:24:48**
